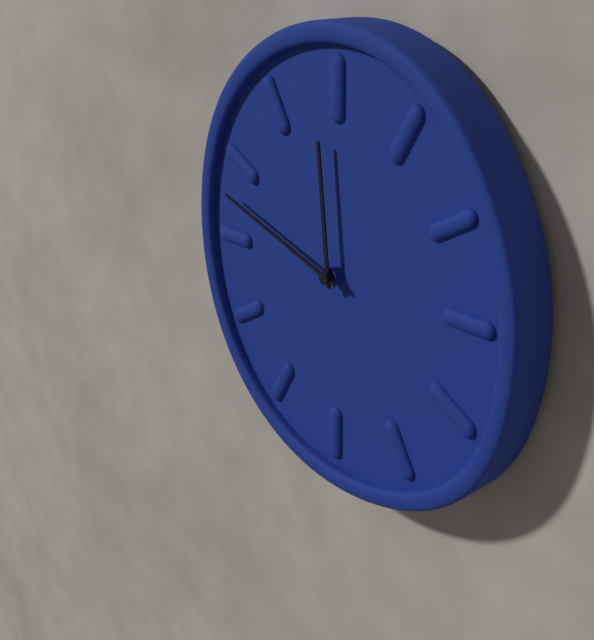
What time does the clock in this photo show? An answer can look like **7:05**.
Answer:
**11:48**
